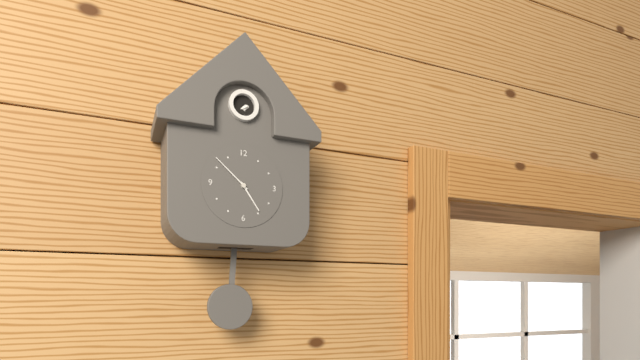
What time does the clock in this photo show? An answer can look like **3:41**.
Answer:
**4:52**
